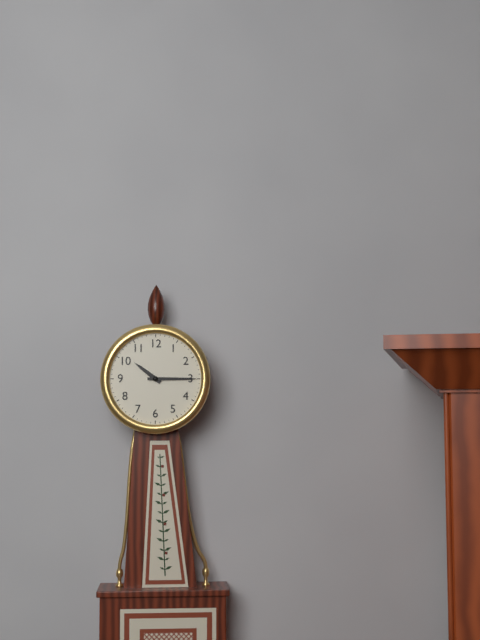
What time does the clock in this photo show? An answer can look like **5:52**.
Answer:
**10:15**
